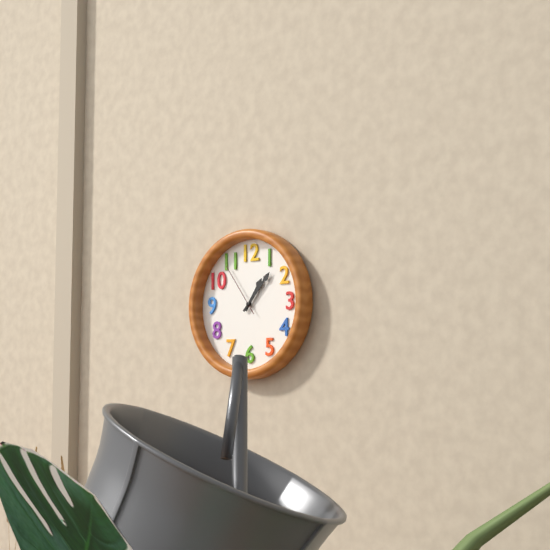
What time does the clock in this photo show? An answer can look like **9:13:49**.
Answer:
**1:07:54**
